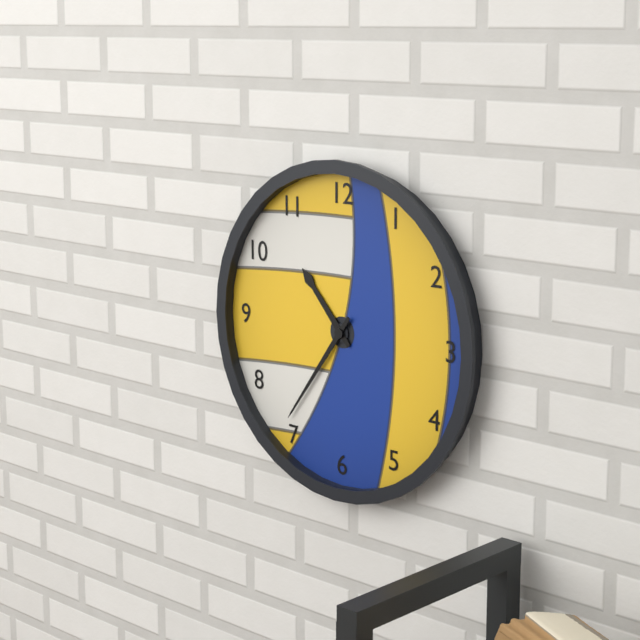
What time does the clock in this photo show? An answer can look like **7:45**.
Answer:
**10:36**
